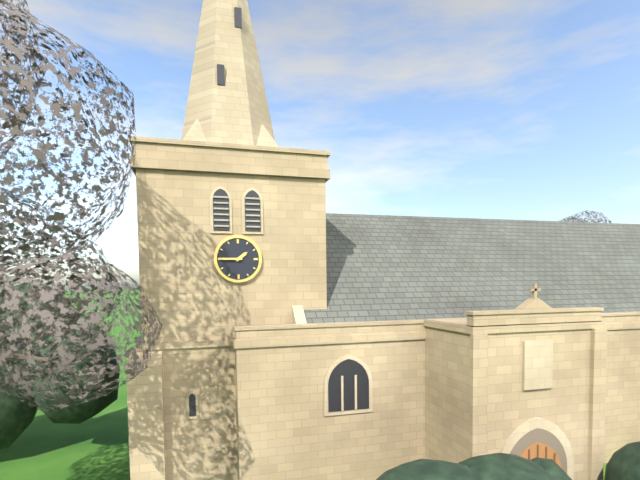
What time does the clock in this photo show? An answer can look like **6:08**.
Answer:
**1:45**
